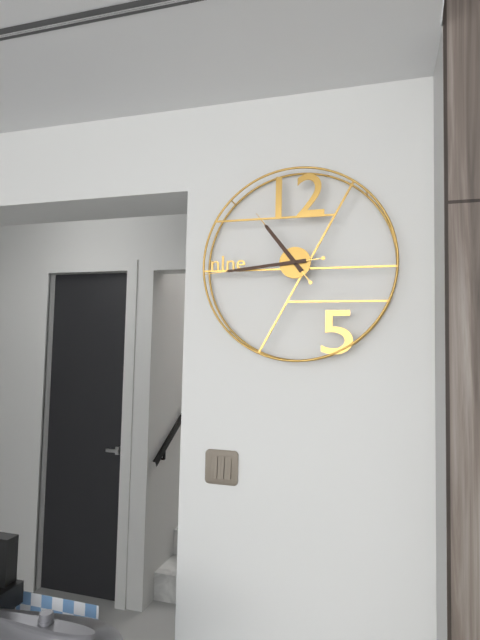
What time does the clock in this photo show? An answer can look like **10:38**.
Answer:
**10:44**
